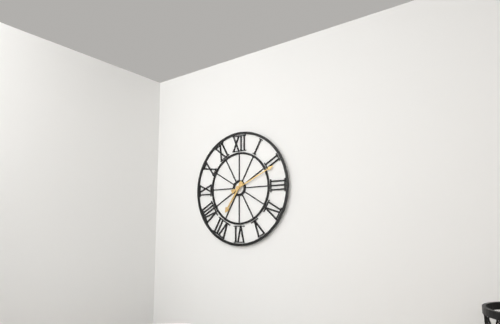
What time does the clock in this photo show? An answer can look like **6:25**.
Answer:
**7:11**
